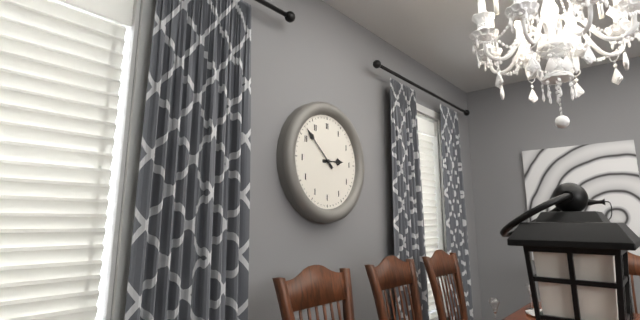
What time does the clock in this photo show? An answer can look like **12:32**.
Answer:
**2:52**
